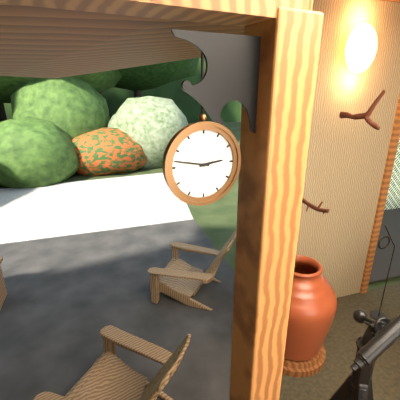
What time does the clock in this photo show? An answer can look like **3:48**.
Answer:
**2:47**
